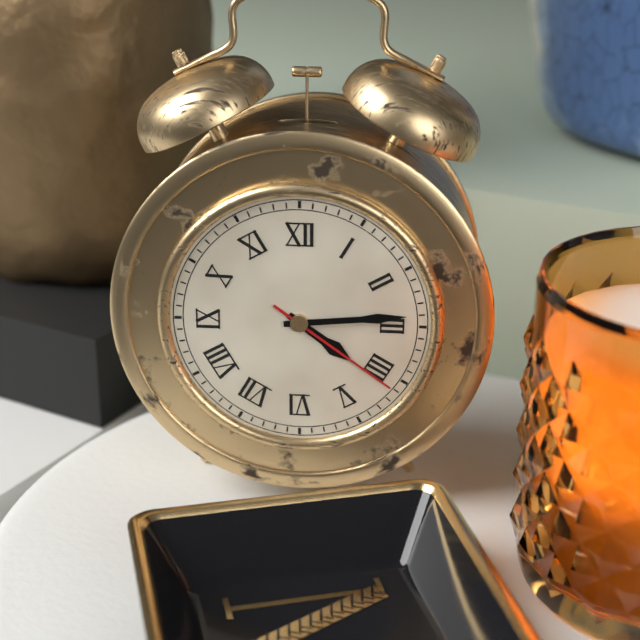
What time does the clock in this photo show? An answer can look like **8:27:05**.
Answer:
**4:14:21**
